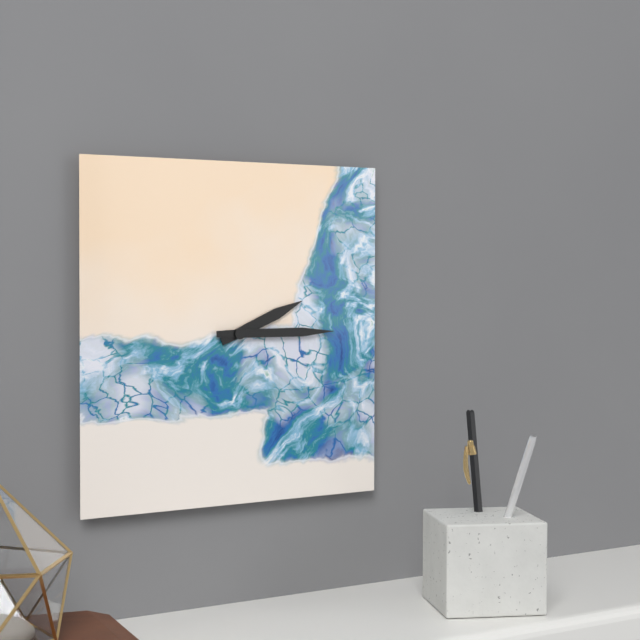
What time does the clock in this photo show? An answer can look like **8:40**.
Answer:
**2:15**
